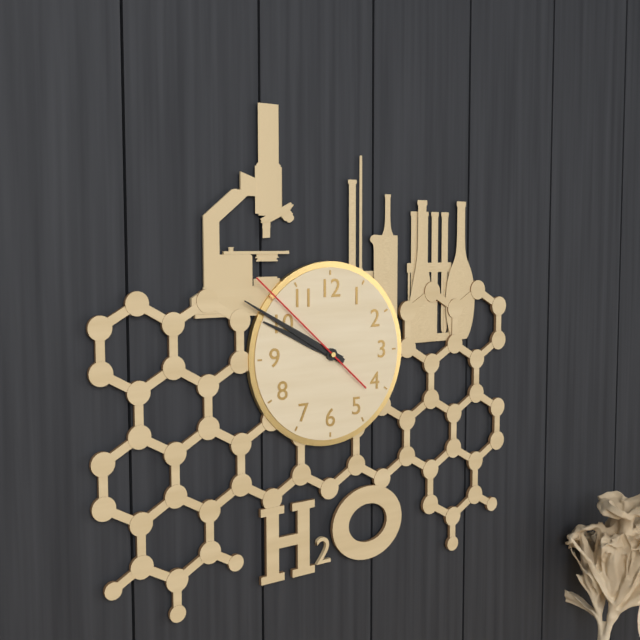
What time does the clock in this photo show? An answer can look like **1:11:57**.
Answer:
**9:50:52**
